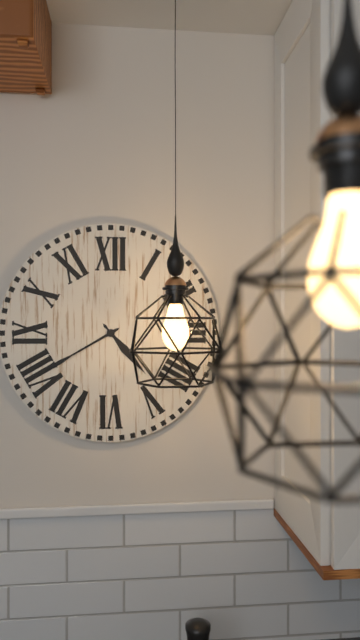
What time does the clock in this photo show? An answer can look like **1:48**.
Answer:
**4:40**
